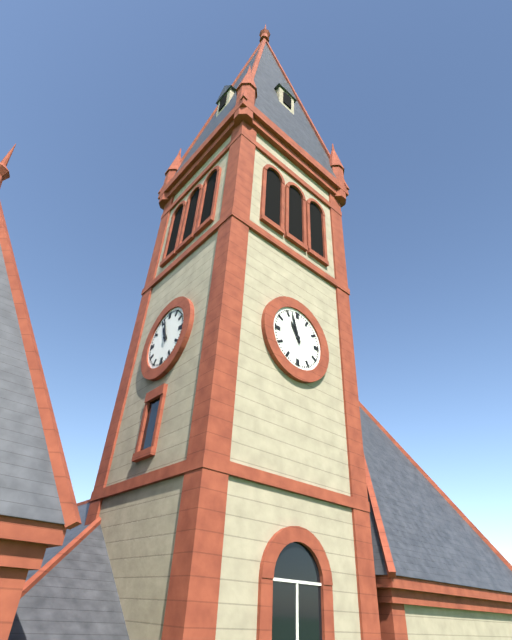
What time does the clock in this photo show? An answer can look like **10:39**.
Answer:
**10:57**
